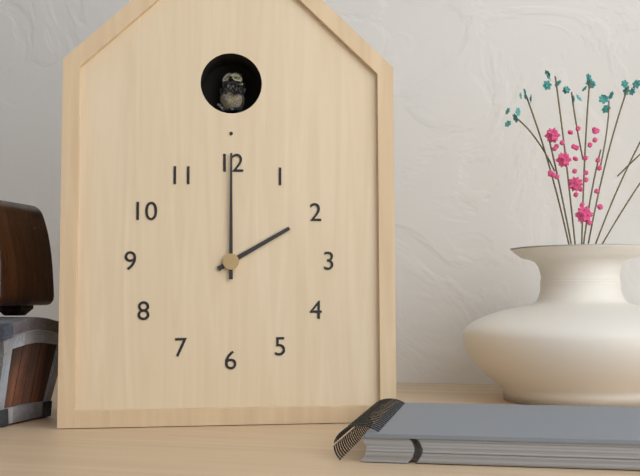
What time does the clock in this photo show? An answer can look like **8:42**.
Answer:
**2:00**
